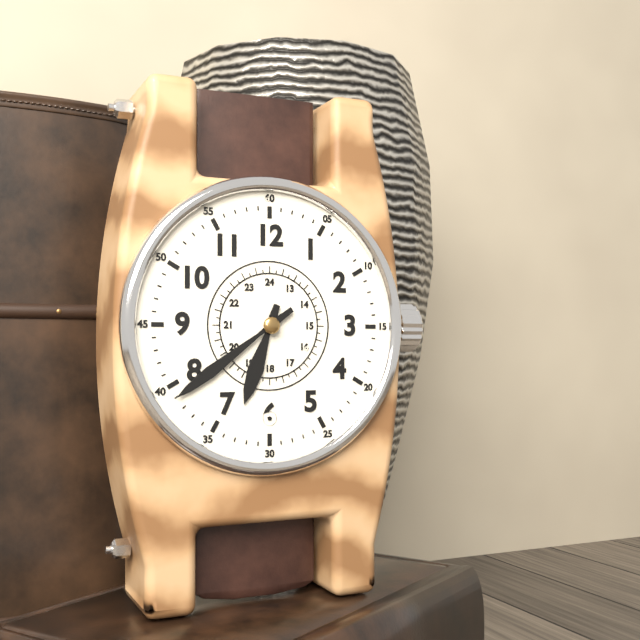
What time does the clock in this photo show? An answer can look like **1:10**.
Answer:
**6:39**
